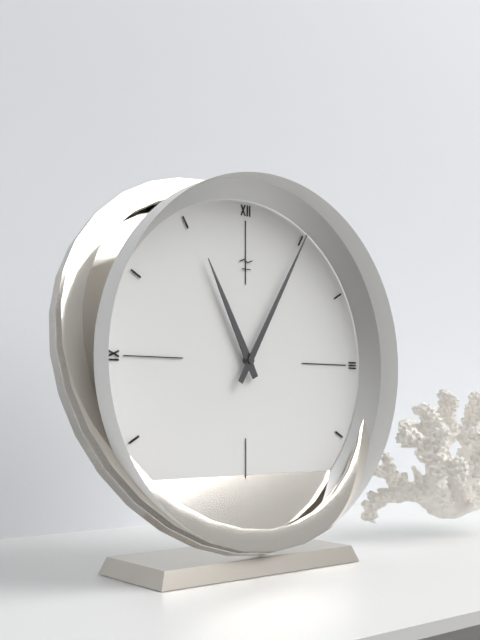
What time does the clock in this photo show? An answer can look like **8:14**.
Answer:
**11:05**
